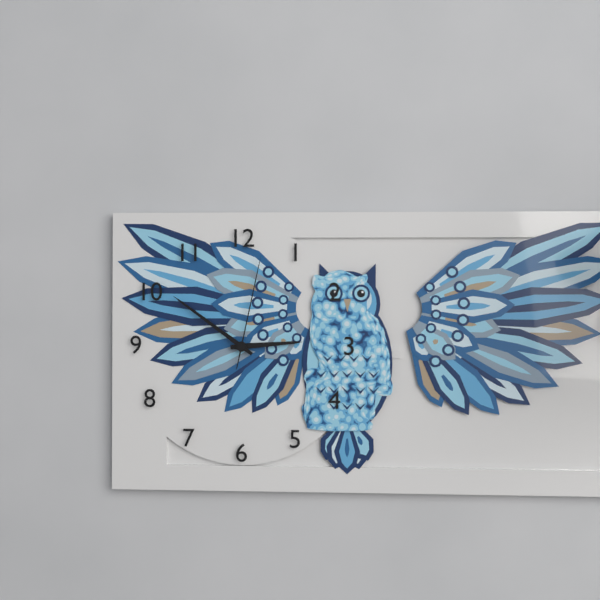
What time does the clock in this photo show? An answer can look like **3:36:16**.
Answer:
**2:51:02**
